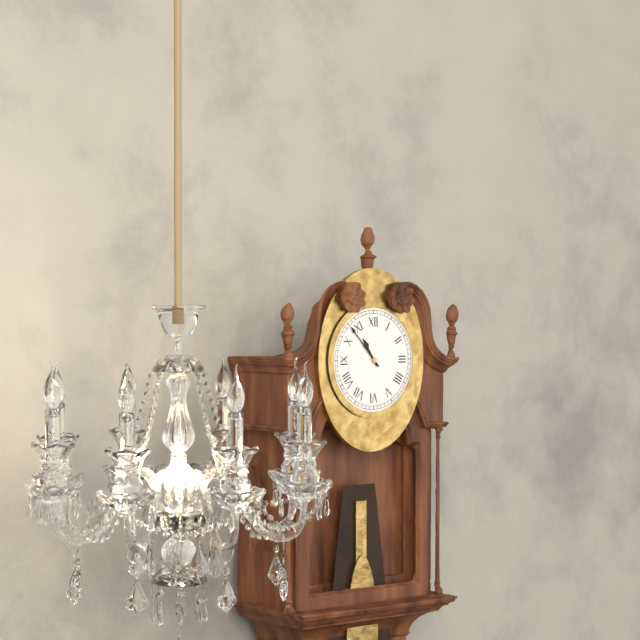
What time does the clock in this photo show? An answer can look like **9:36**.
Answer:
**10:53**
